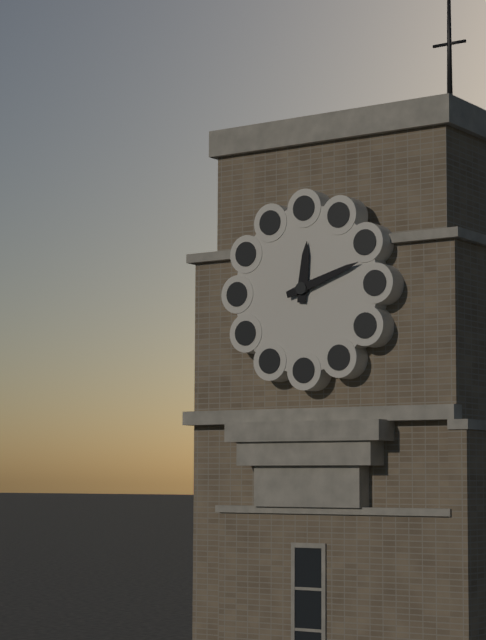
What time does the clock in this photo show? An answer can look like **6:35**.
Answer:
**12:12**
